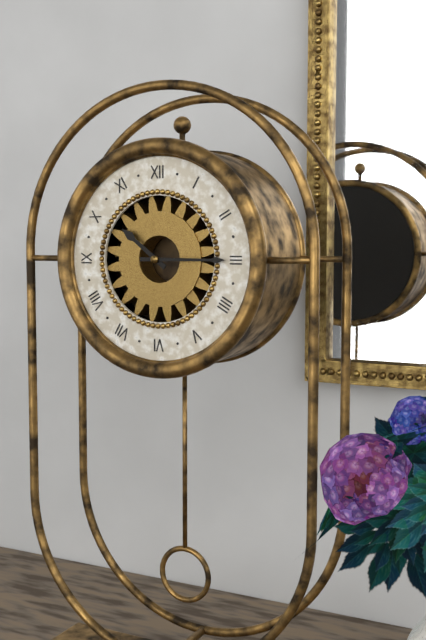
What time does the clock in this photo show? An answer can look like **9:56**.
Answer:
**10:15**
